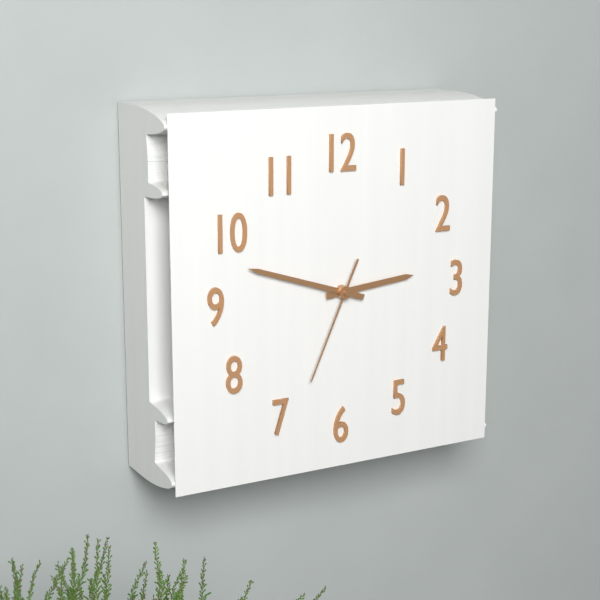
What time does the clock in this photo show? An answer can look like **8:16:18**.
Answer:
**2:48:34**
